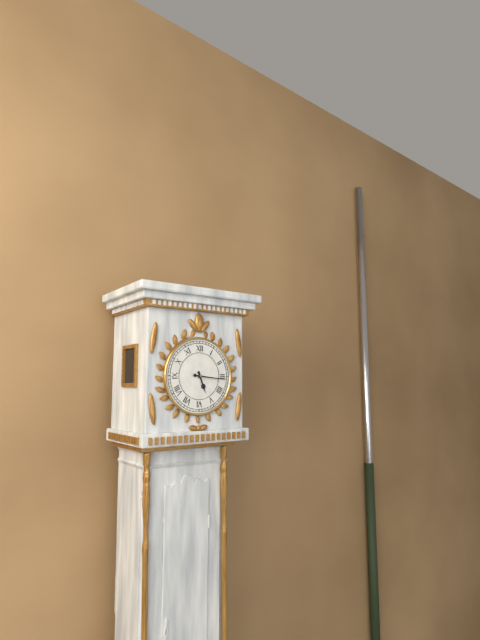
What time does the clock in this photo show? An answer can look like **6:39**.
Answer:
**5:16**
